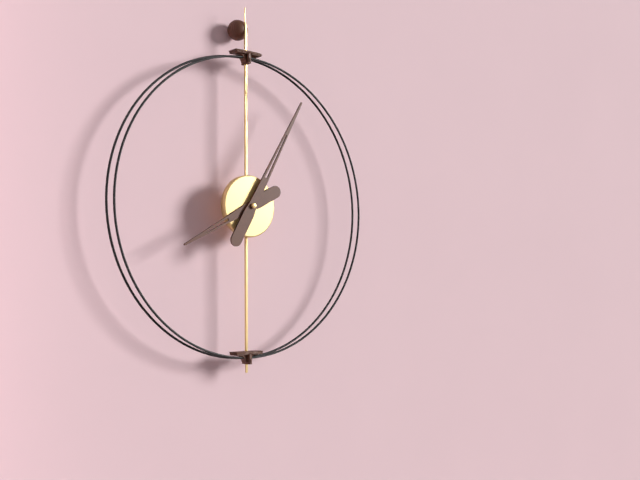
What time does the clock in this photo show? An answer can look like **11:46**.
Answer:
**8:05**
